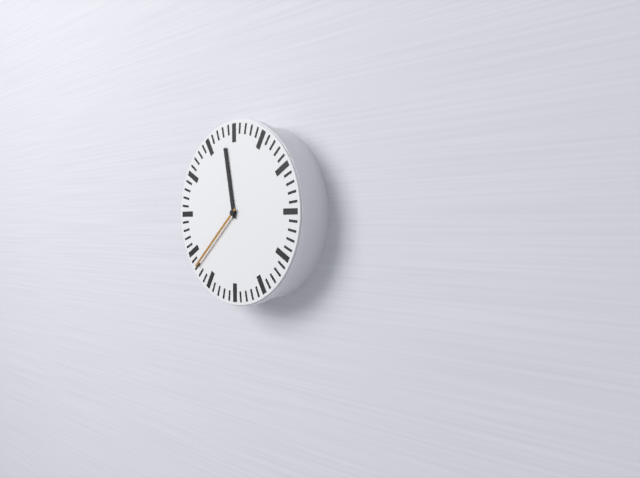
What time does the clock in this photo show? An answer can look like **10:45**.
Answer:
**11:38**
